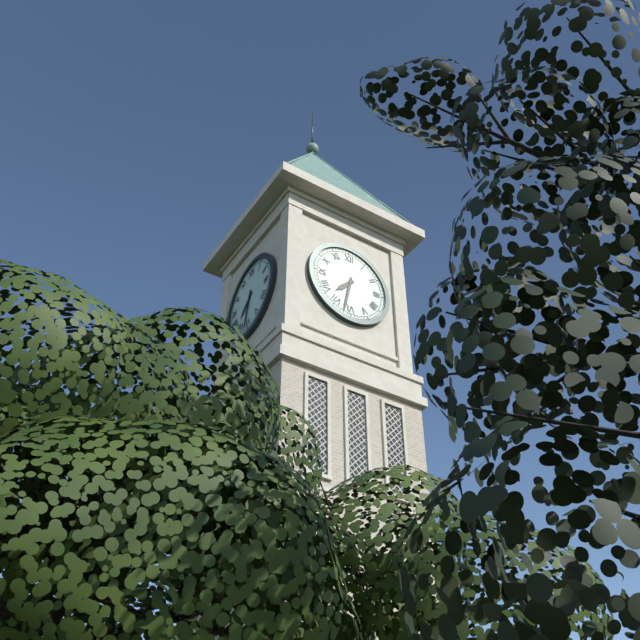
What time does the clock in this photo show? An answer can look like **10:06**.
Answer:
**7:32**
